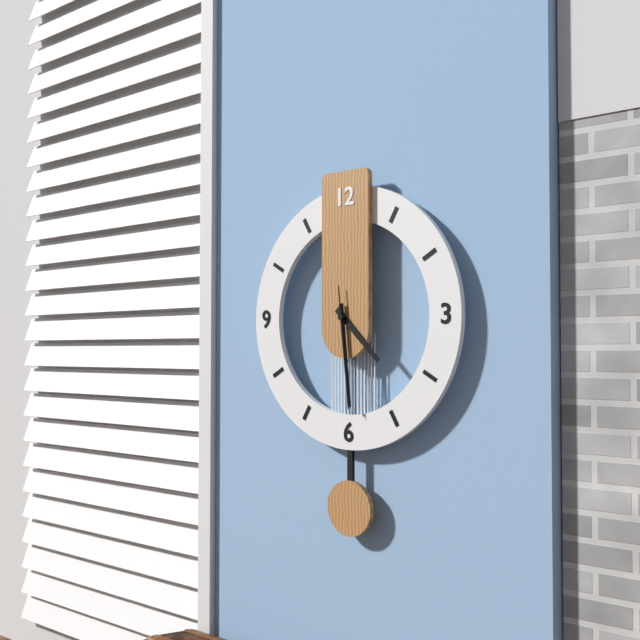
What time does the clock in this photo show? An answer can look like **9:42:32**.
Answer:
**4:29:29**
